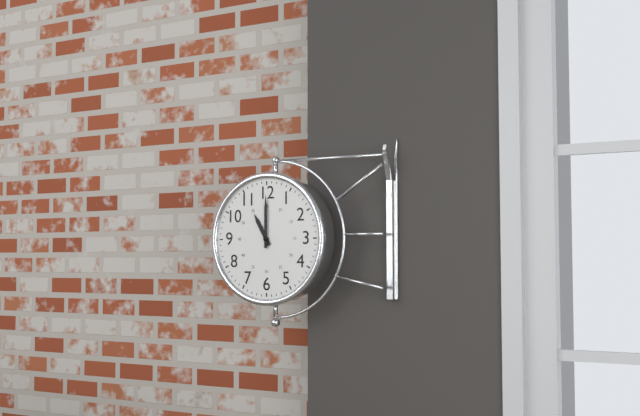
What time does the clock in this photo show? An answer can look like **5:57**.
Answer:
**11:00**
